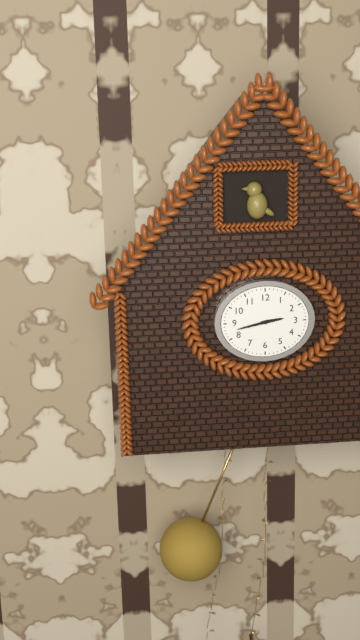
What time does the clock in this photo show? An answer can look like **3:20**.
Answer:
**2:43**
